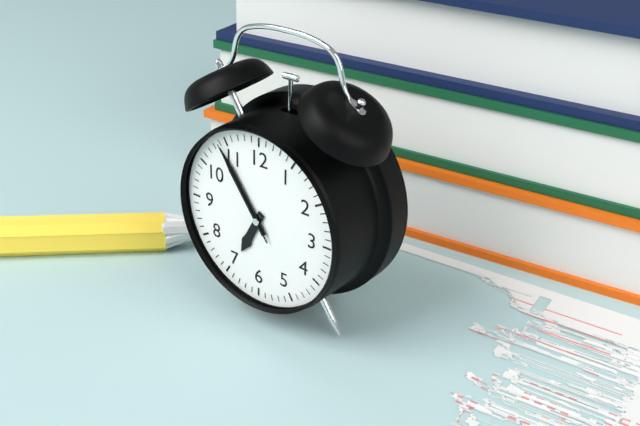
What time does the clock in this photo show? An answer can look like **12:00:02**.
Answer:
**6:54:54**
